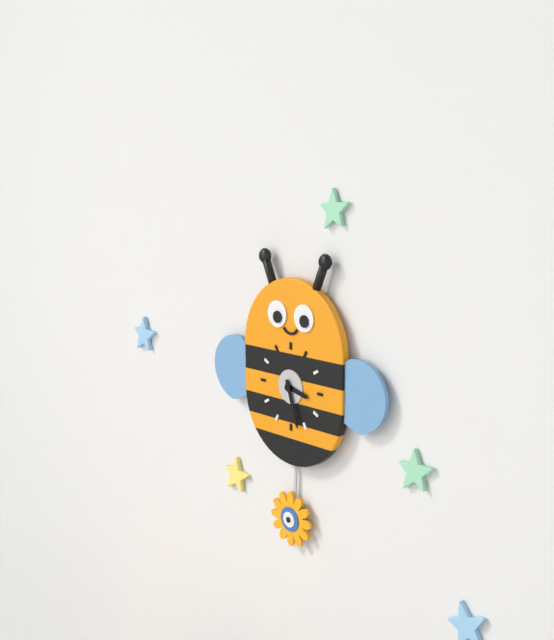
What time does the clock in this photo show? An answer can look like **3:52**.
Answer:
**3:27**
